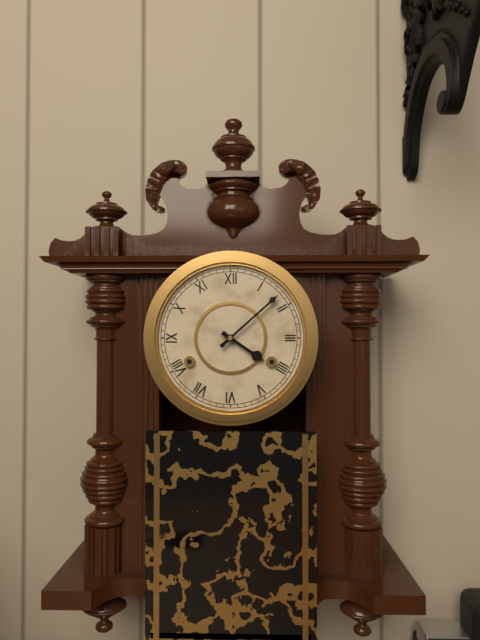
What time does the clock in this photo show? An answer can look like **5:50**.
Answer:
**4:08**
